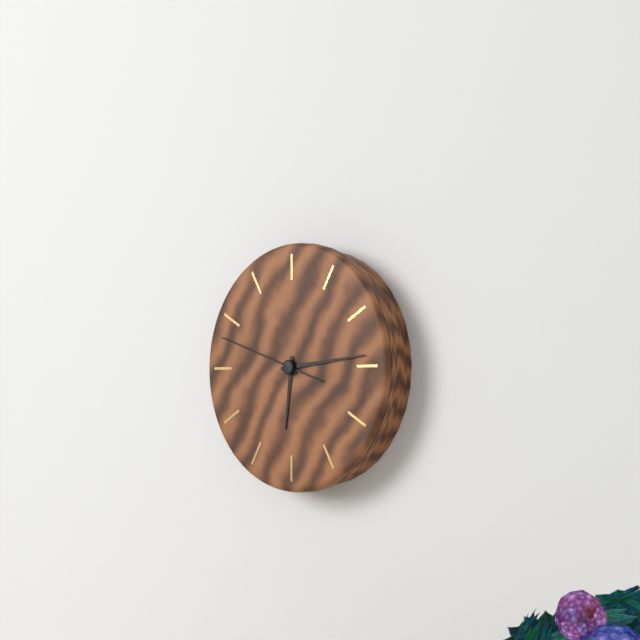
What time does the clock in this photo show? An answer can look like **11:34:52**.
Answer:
**6:14:48**
